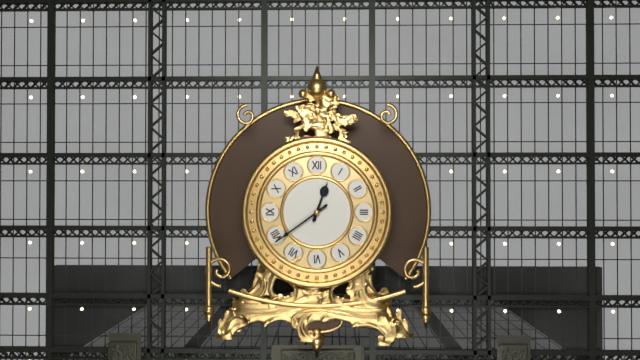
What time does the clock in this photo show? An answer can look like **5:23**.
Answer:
**12:39**
